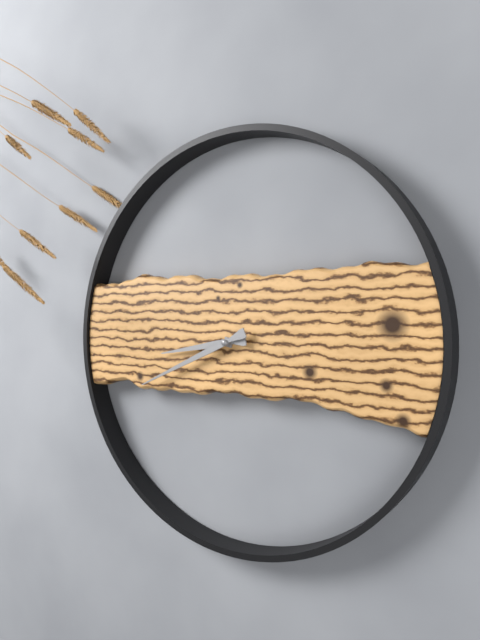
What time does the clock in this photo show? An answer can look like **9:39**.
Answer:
**8:41**
